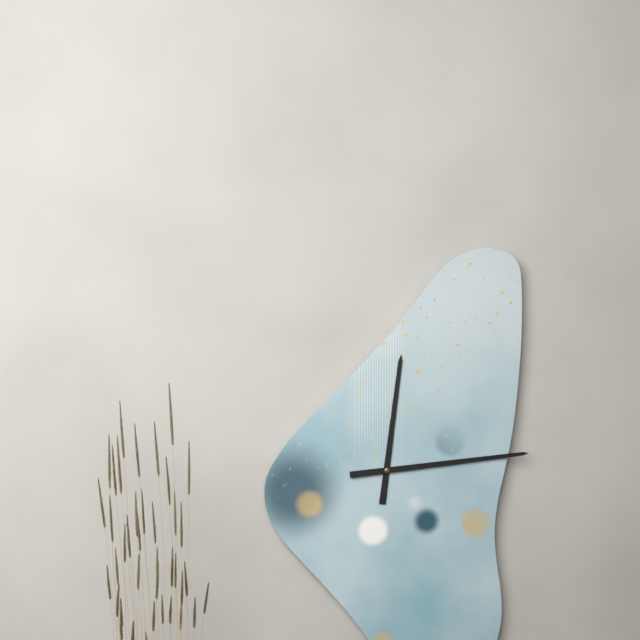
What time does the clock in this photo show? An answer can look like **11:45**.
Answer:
**12:14**
